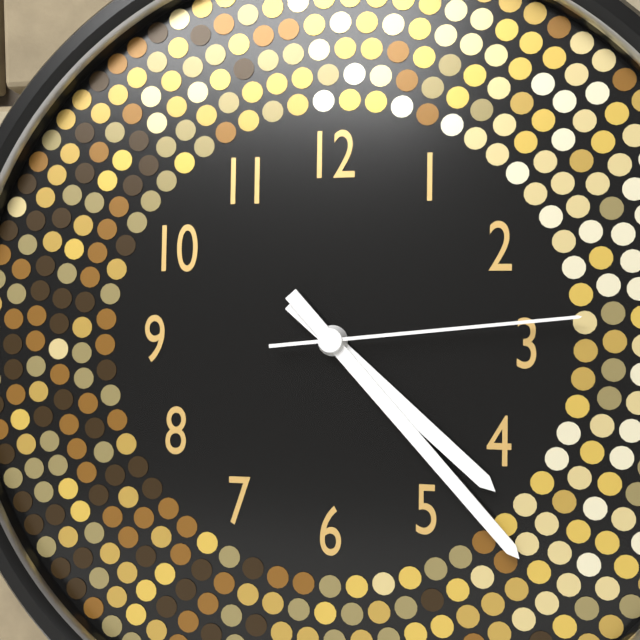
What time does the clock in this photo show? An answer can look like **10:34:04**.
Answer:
**4:23:14**
